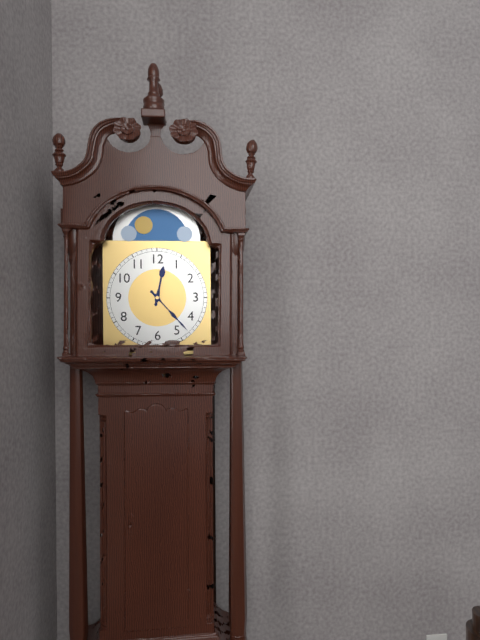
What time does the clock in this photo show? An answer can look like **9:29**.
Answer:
**12:23**
